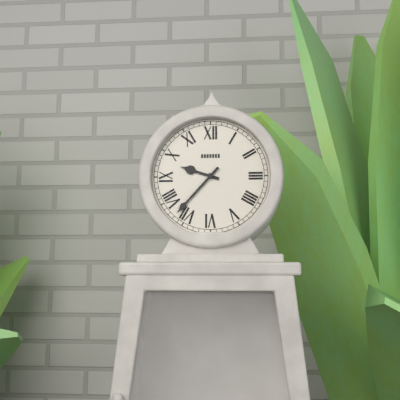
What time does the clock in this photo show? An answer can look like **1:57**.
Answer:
**9:37**
